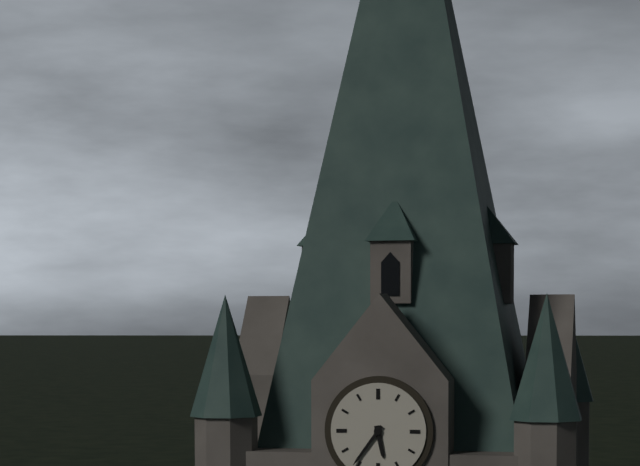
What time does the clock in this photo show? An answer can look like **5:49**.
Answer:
**5:36**
